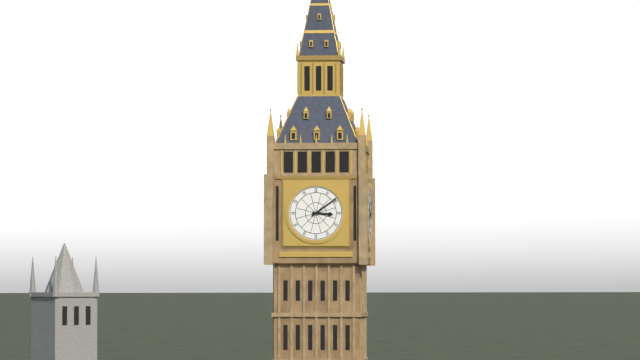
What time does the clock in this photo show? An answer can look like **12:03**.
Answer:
**3:09**
